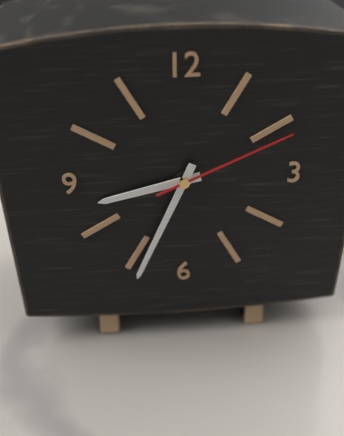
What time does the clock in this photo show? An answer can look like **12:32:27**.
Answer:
**8:34:11**
